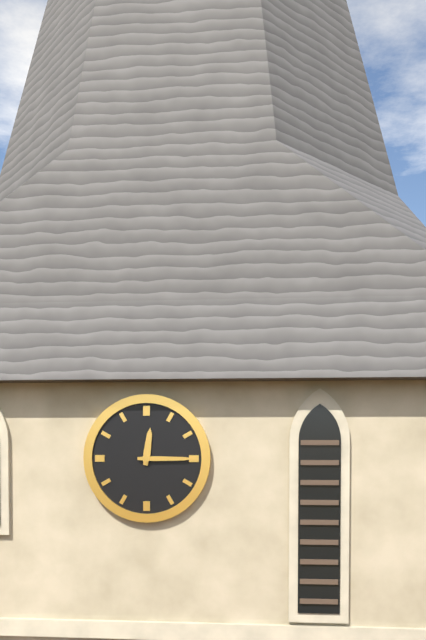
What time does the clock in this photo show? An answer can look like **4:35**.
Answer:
**12:15**
